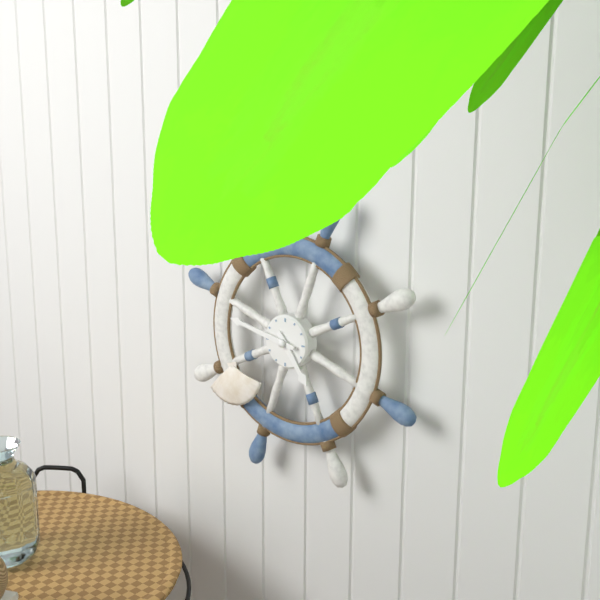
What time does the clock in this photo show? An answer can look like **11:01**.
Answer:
**4:47**
